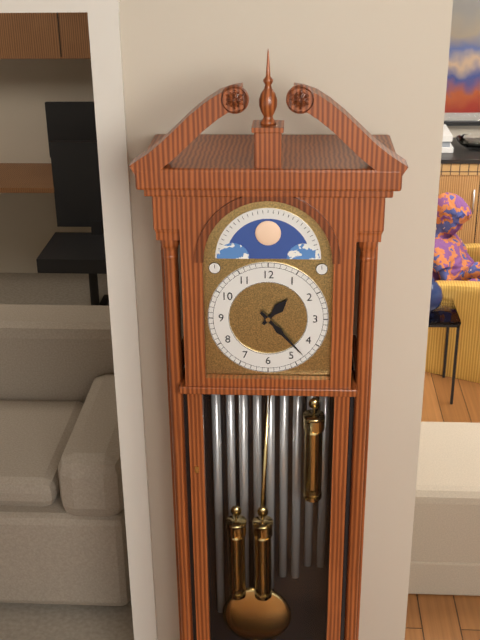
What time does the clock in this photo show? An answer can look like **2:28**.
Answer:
**1:23**
